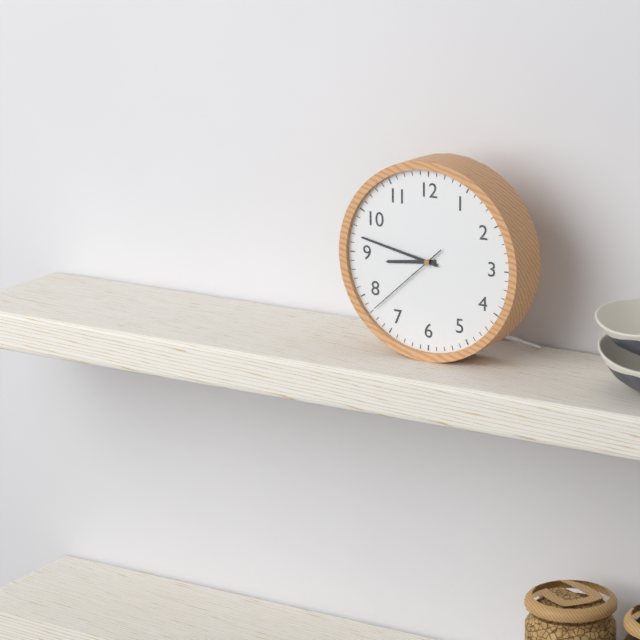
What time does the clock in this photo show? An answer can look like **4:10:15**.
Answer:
**8:47:38**
